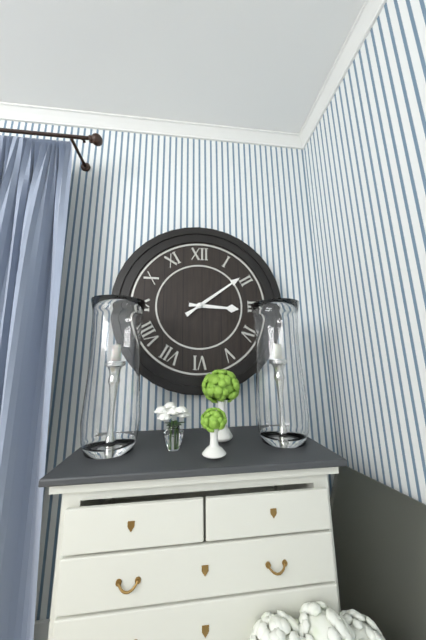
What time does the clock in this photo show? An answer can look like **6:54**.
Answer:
**3:09**
